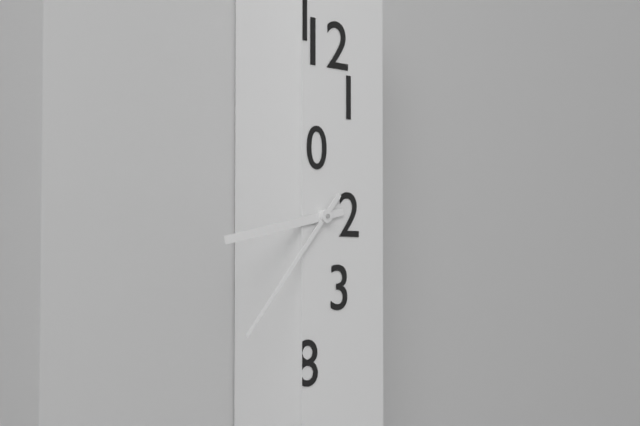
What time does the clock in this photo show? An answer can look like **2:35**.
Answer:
**8:37**
